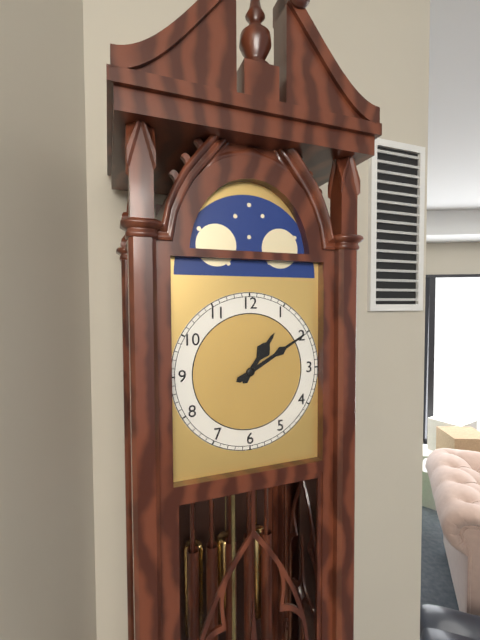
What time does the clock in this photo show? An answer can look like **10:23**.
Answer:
**1:10**
